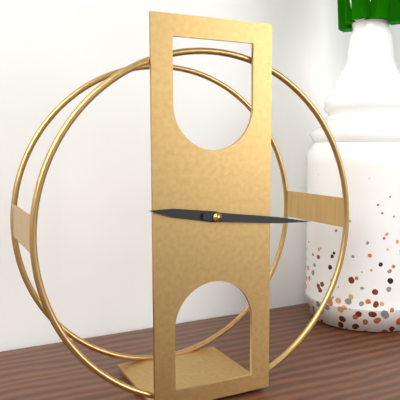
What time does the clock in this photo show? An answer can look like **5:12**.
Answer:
**9:16**
